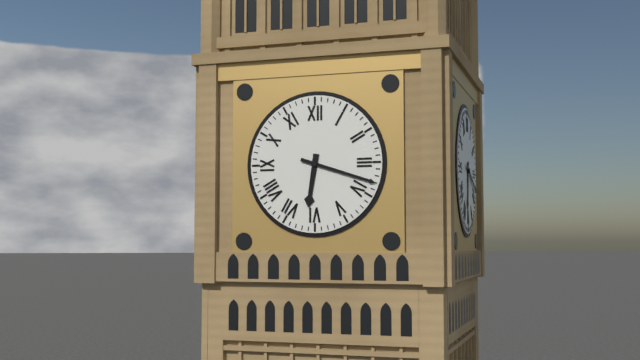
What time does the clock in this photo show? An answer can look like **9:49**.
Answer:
**6:18**
